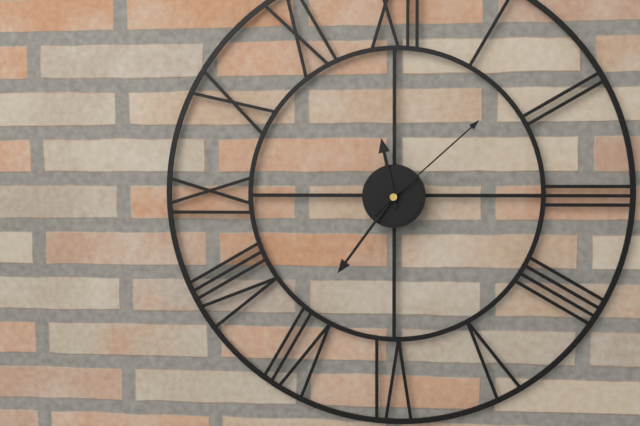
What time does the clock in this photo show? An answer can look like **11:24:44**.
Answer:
**11:36:08**
